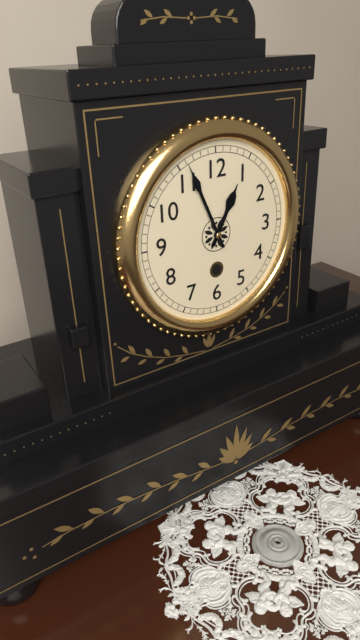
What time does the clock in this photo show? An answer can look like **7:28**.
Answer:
**12:56**
